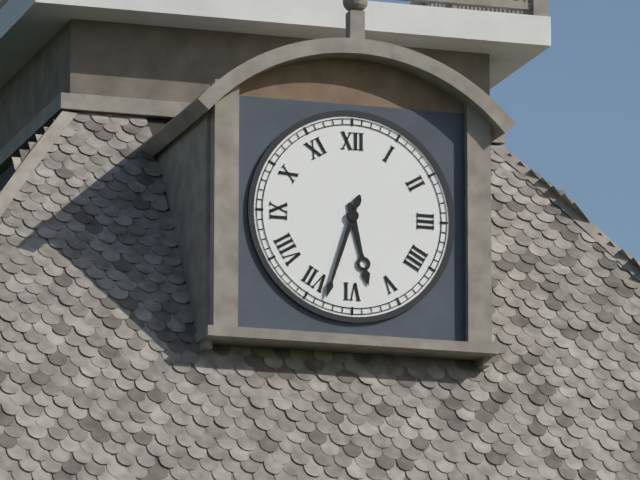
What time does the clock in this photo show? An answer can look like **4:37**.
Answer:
**5:33**
